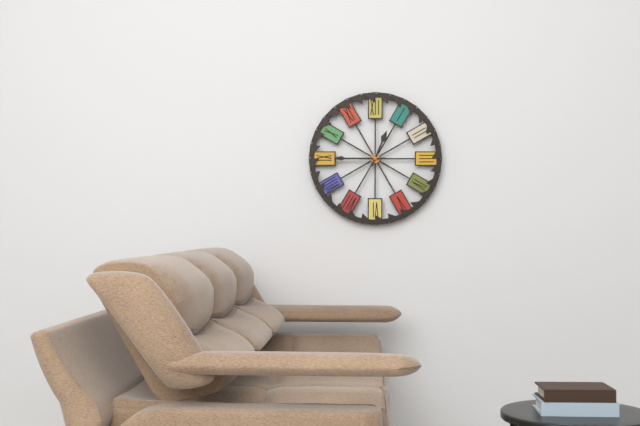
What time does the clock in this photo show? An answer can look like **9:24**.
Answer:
**12:45**
